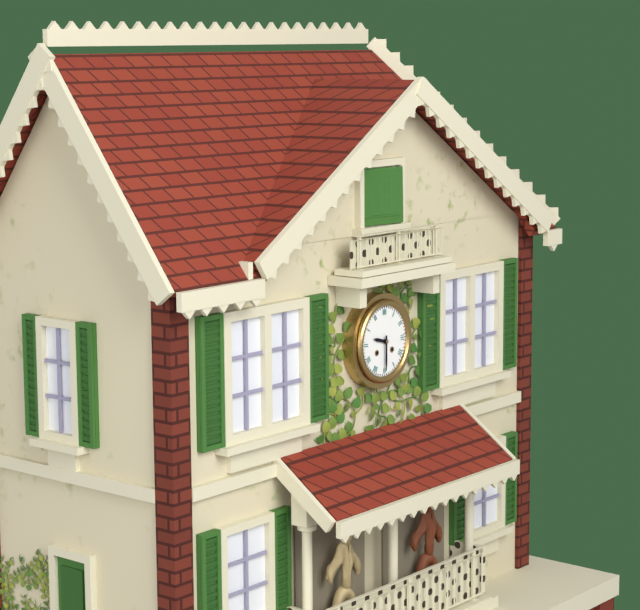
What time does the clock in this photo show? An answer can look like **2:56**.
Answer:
**9:30**
